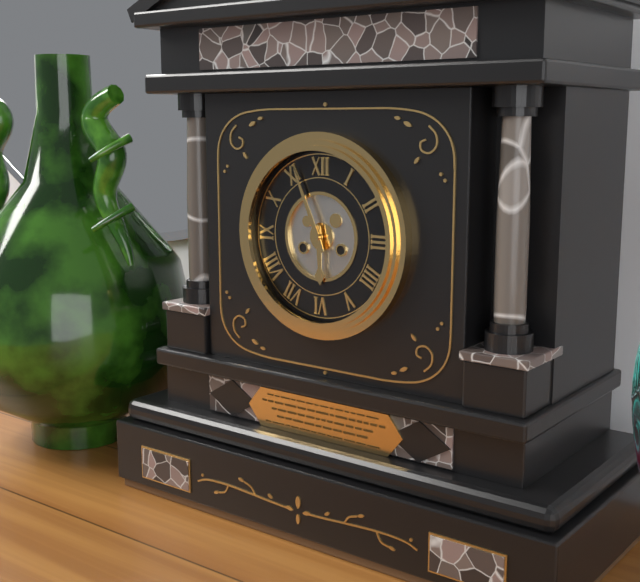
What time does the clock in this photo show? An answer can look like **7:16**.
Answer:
**5:56**
